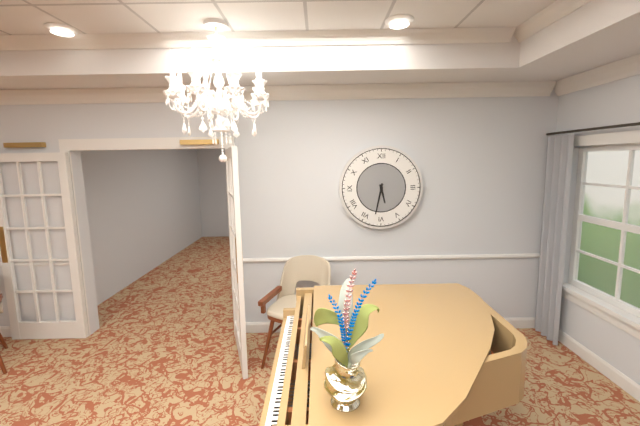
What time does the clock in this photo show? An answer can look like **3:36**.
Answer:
**5:32**
